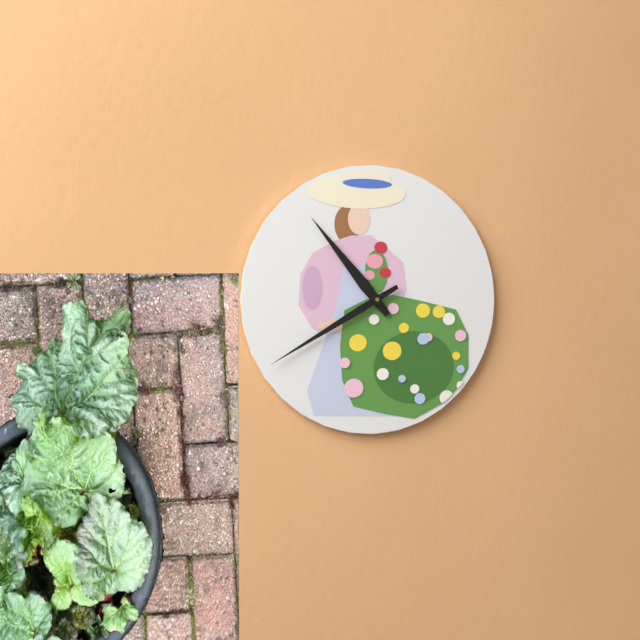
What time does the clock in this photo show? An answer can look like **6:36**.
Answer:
**10:40**
